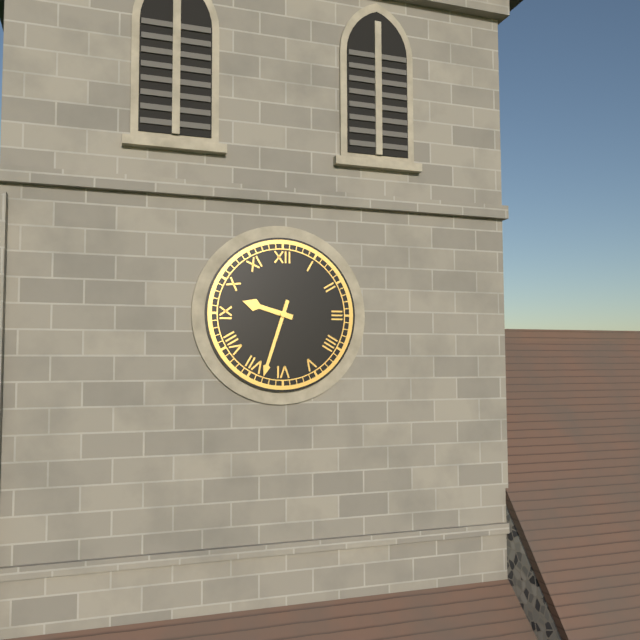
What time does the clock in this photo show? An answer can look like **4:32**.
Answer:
**9:33**
